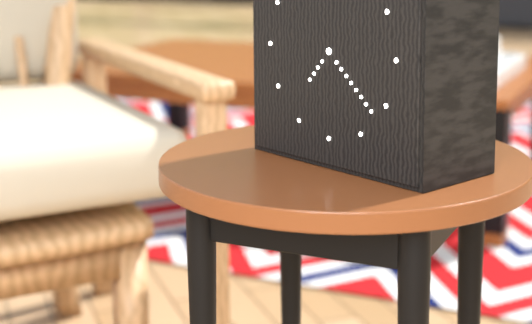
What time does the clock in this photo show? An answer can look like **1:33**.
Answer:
**7:22**
